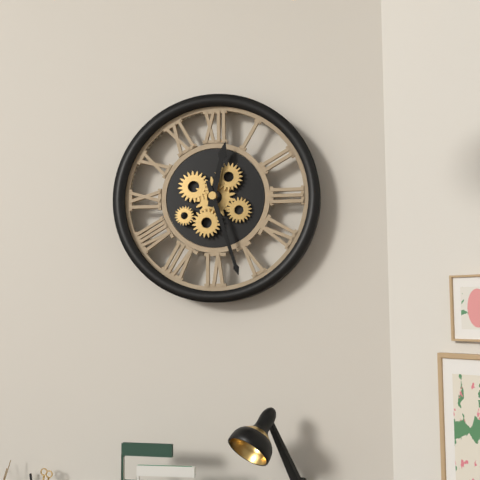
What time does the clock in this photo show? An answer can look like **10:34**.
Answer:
**12:27**
